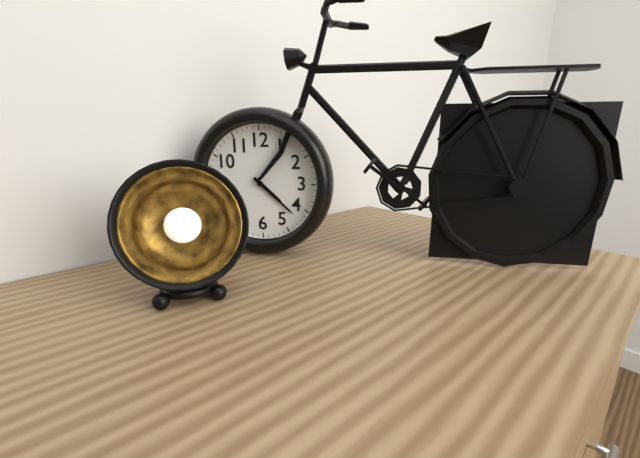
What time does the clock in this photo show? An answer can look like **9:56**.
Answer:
**4:22**
